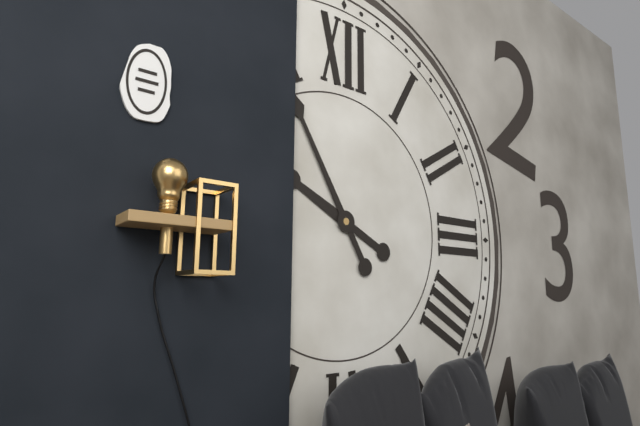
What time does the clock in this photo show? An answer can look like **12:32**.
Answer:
**9:55**
